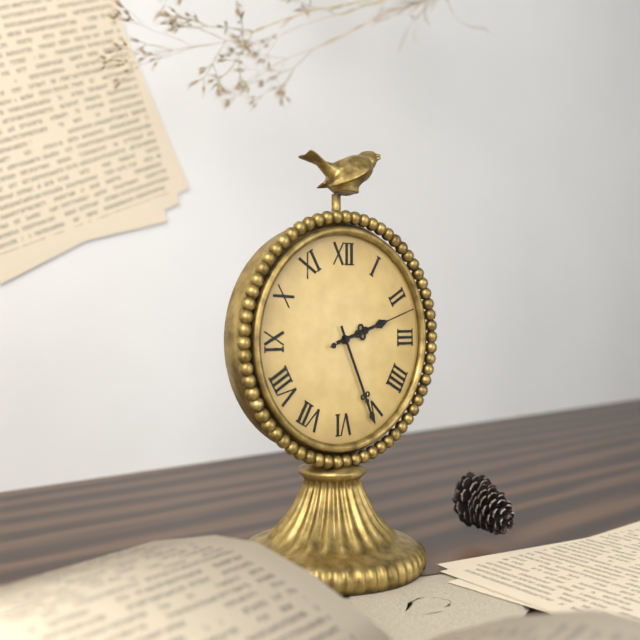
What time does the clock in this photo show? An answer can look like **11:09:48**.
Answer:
**2:26:12**
